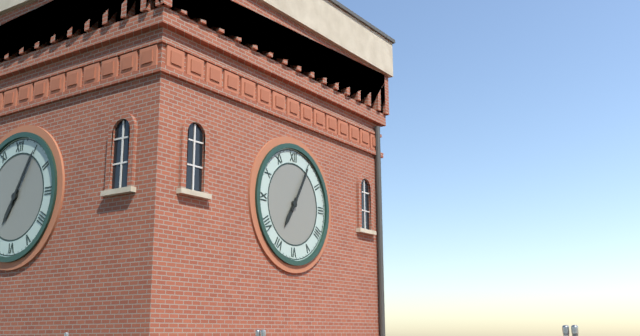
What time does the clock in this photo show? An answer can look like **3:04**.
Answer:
**7:05**
